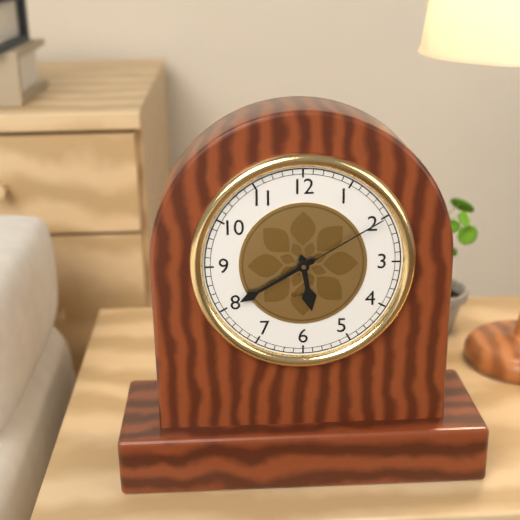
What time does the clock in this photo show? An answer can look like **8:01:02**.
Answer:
**5:40:10**
